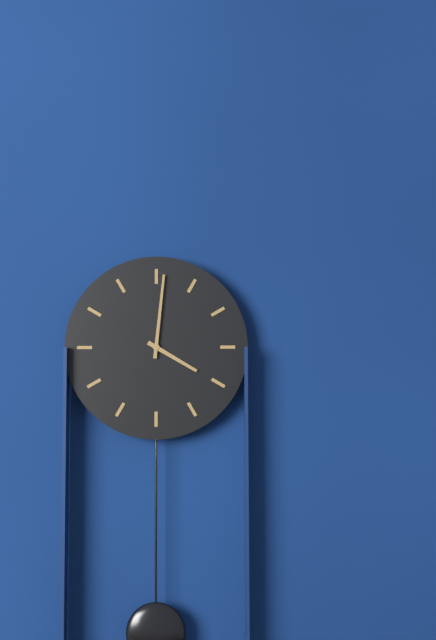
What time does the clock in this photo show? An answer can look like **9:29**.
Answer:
**4:01**
